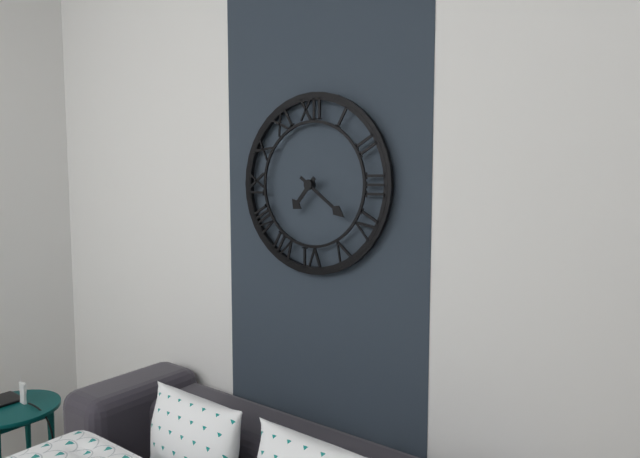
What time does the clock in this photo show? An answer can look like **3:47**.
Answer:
**7:21**
